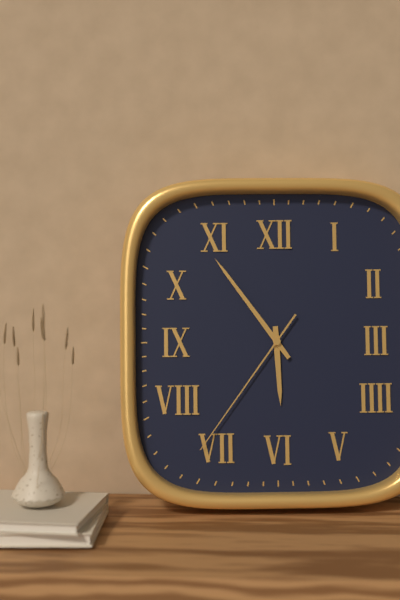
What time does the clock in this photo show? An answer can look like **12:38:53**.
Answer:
**5:54:36**
